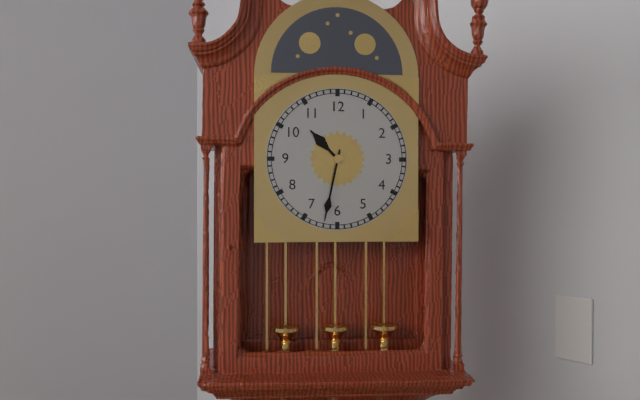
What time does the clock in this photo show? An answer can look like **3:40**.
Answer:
**10:32**
